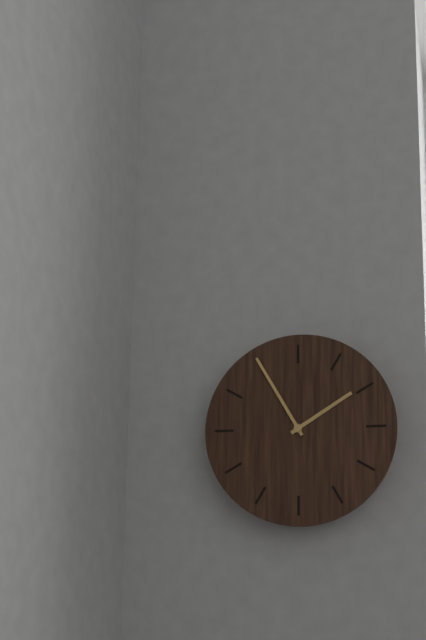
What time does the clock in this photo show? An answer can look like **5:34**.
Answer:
**1:55**
